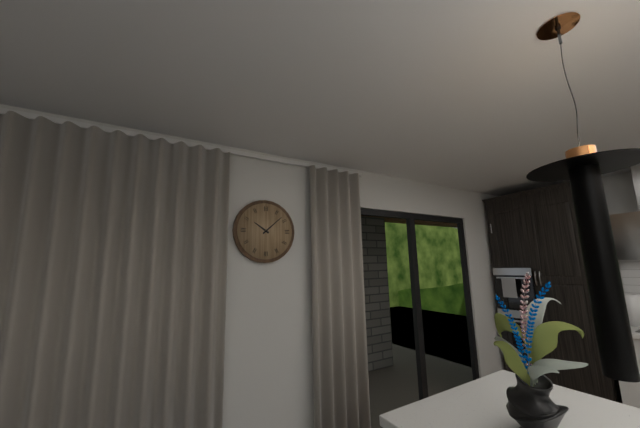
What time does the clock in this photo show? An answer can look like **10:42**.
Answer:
**10:08**
